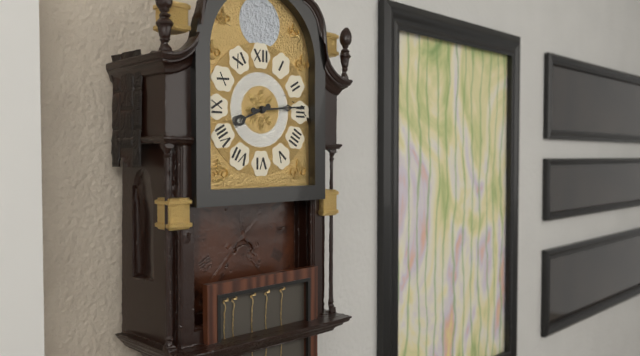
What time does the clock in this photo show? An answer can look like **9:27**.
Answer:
**8:14**
